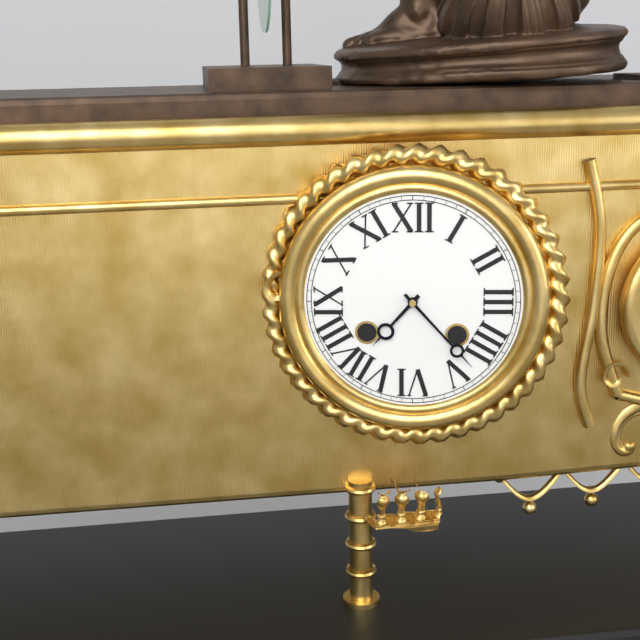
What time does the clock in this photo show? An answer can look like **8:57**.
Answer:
**7:23**
